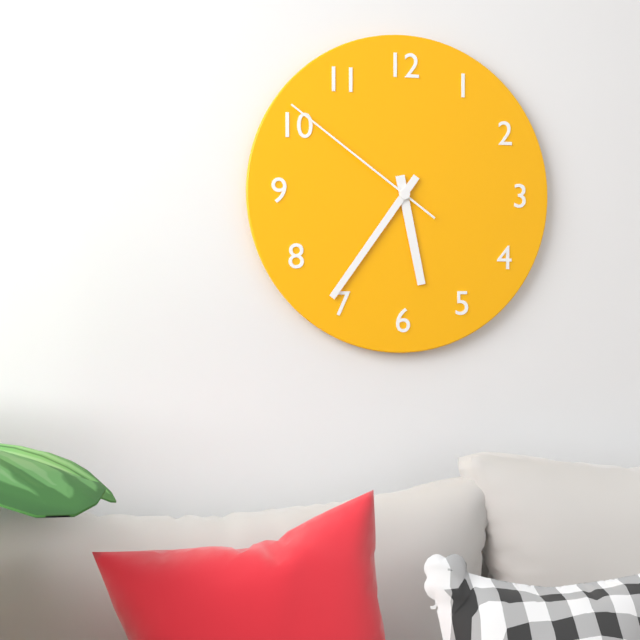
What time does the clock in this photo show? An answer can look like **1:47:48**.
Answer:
**5:36:51**
